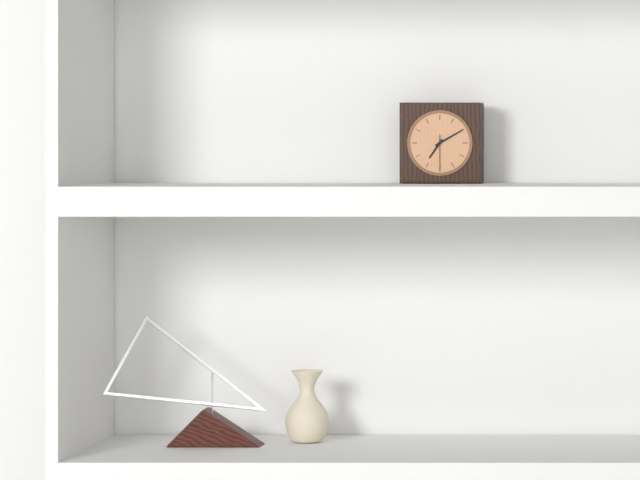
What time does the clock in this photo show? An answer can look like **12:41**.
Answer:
**7:10**
